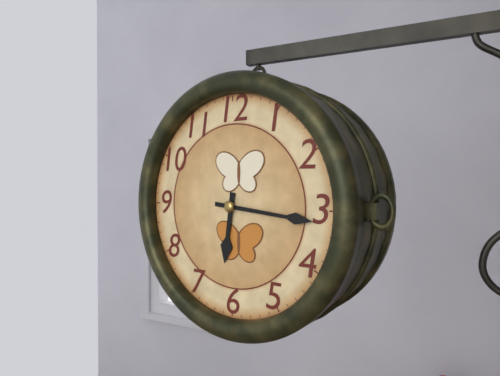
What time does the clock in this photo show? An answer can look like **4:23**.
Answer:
**6:16**
